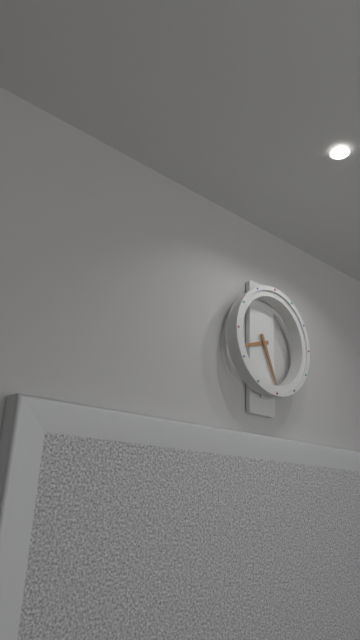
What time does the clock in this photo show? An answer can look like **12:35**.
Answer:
**8:26**
